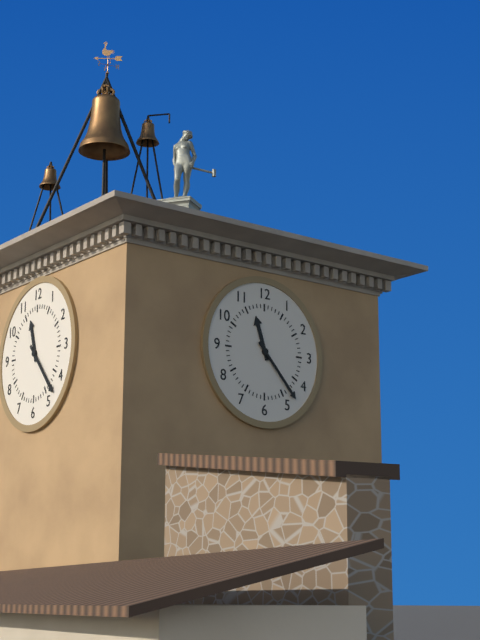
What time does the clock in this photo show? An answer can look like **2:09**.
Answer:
**11:23**
